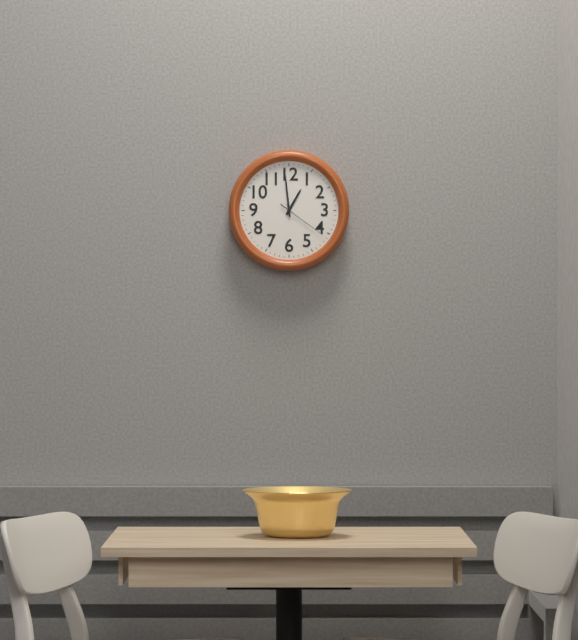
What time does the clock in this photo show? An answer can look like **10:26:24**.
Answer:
**12:59:21**
